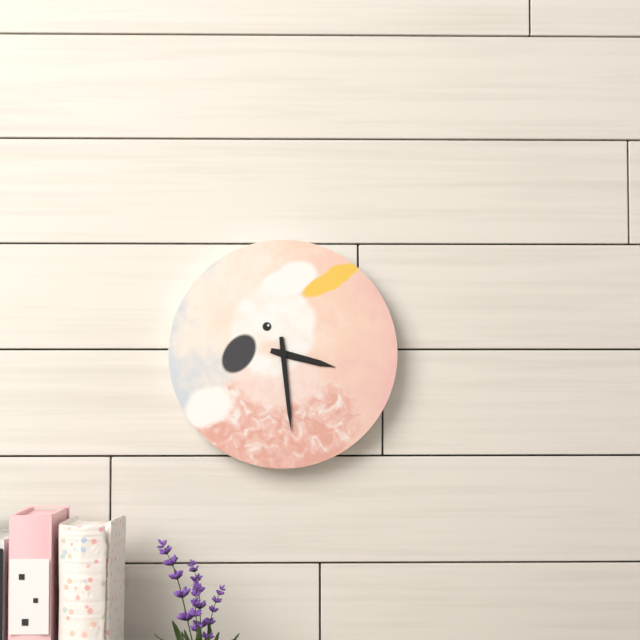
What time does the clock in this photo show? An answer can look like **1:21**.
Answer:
**3:29**
